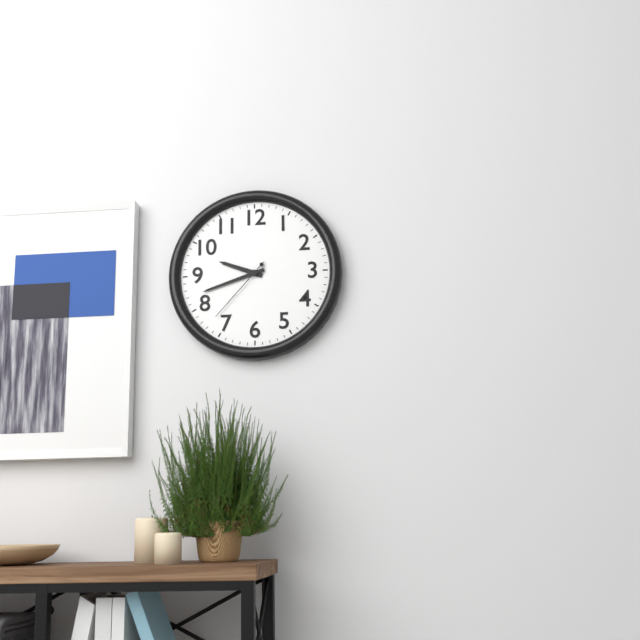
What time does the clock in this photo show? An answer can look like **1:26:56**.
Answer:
**9:42:37**
